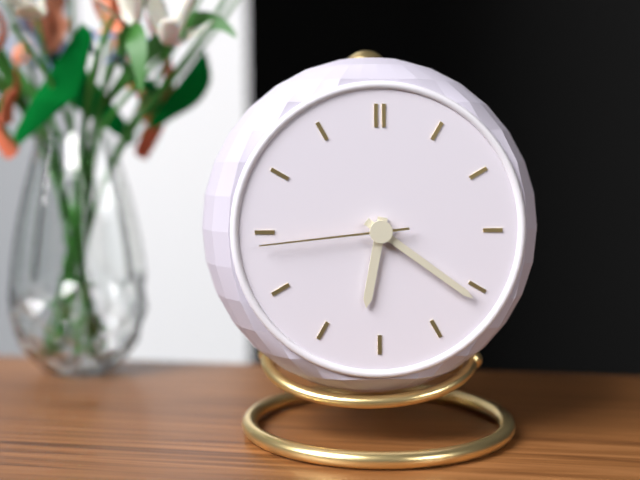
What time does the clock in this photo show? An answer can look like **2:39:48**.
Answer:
**6:21:44**
